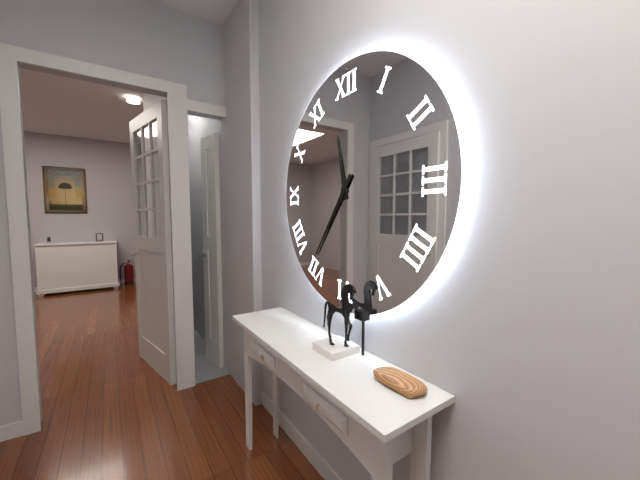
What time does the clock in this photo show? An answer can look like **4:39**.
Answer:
**11:36**
